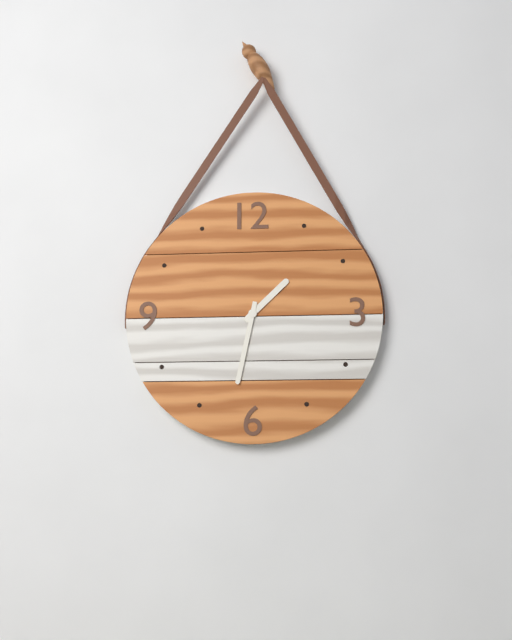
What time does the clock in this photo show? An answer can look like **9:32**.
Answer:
**1:32**
